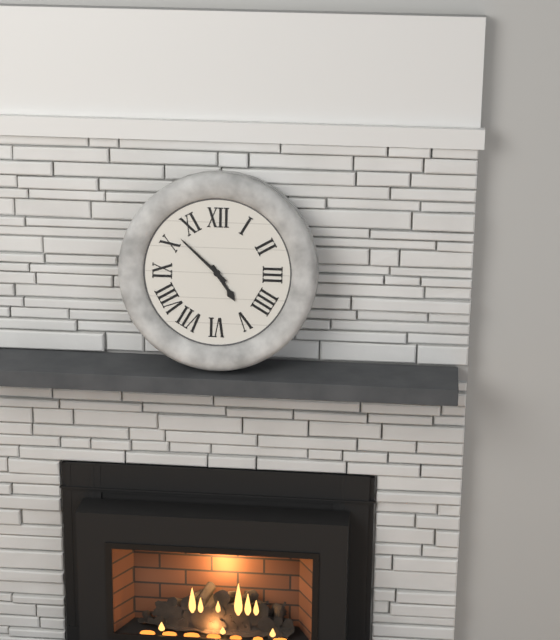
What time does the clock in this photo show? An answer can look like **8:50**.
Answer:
**4:52**
